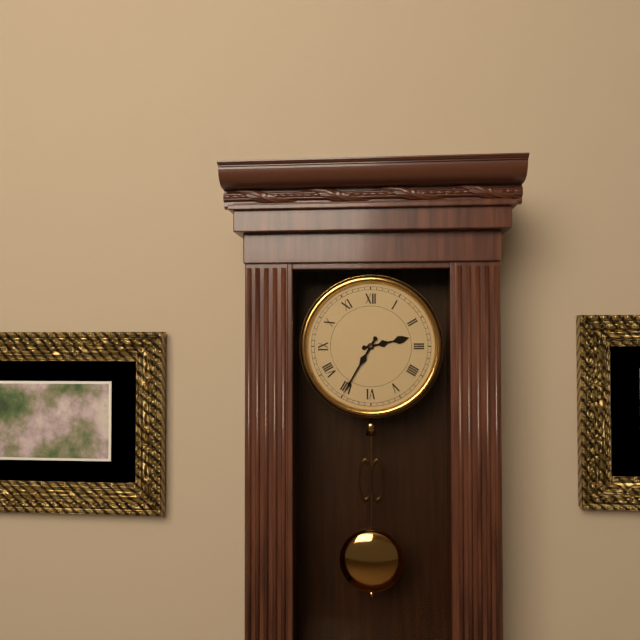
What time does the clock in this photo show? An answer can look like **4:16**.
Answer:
**2:35**
